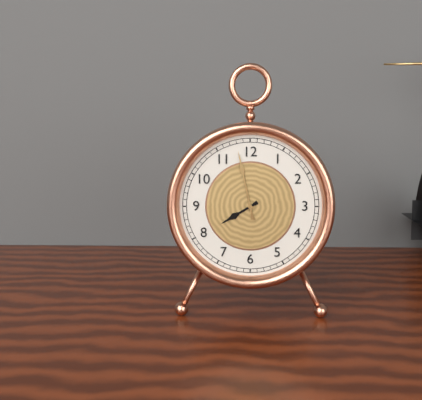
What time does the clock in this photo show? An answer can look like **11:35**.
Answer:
**7:58**
